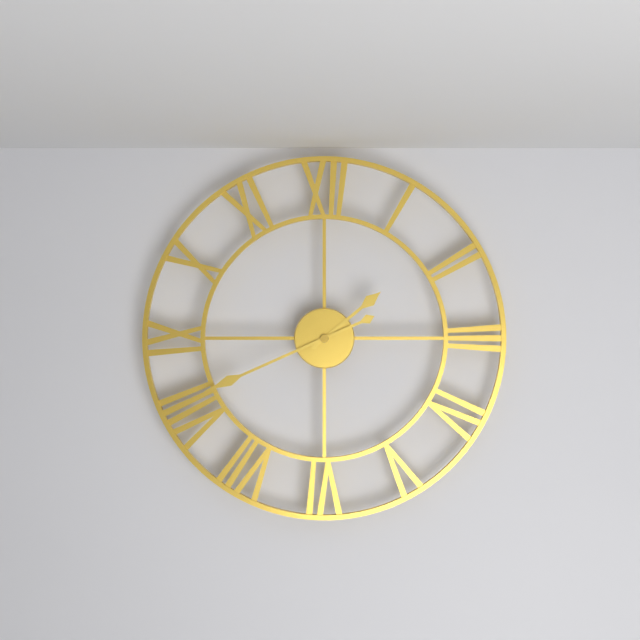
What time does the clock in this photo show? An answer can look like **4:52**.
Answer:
**1:41**
